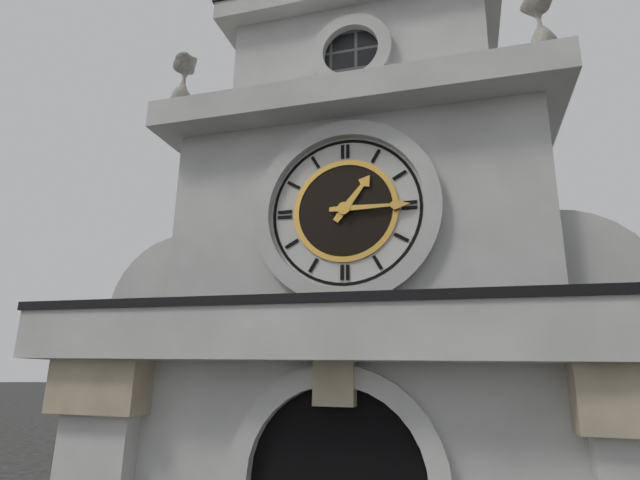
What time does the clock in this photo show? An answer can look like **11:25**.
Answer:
**1:15**
